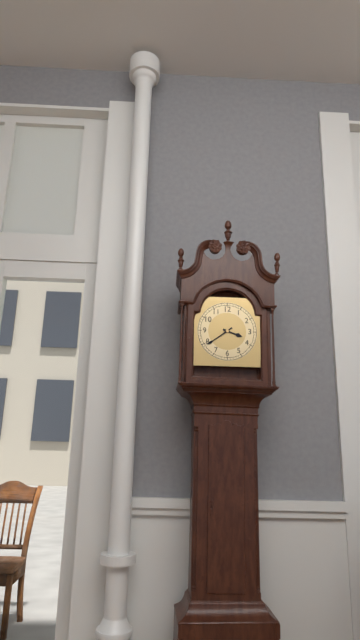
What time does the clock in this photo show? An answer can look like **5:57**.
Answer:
**3:39**
